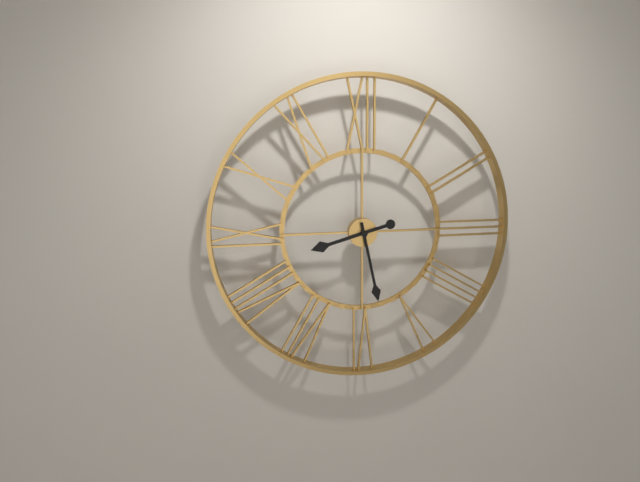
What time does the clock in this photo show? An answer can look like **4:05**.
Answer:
**8:28**
